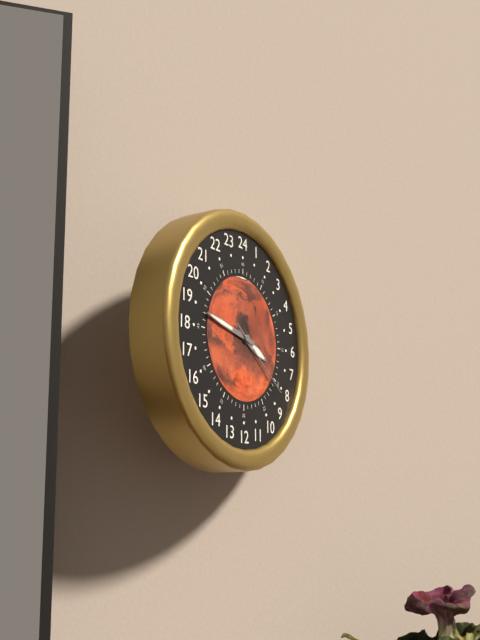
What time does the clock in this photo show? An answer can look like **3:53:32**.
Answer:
**3:47:21**
